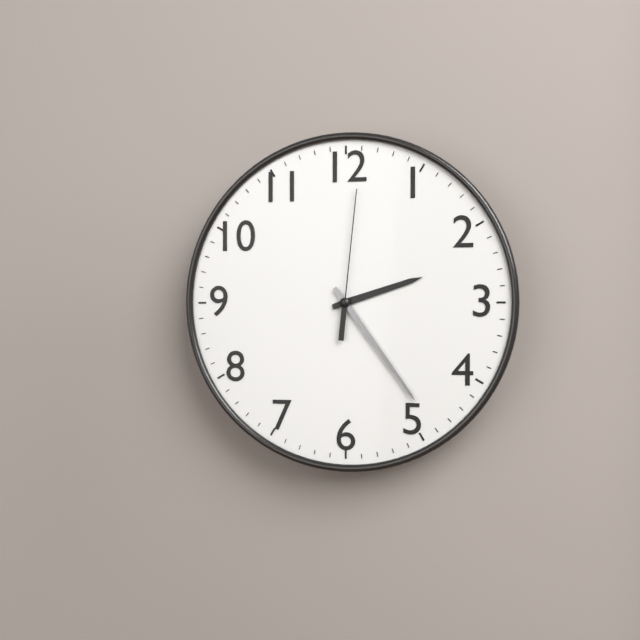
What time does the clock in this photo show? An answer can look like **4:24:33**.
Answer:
**2:24:01**
